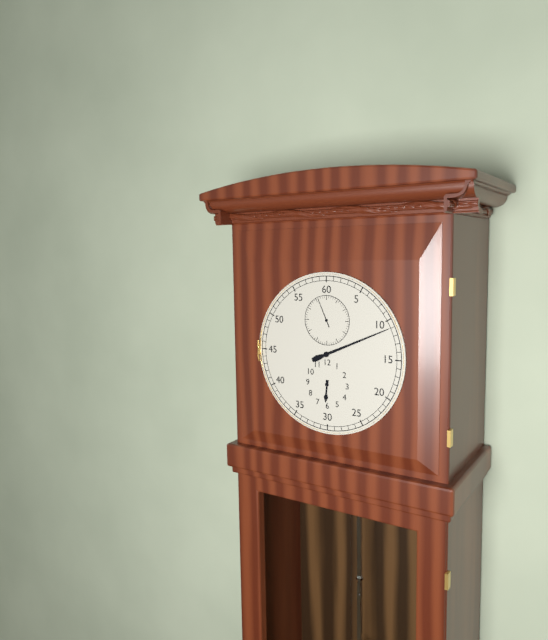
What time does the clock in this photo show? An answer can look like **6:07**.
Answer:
**6:11**
